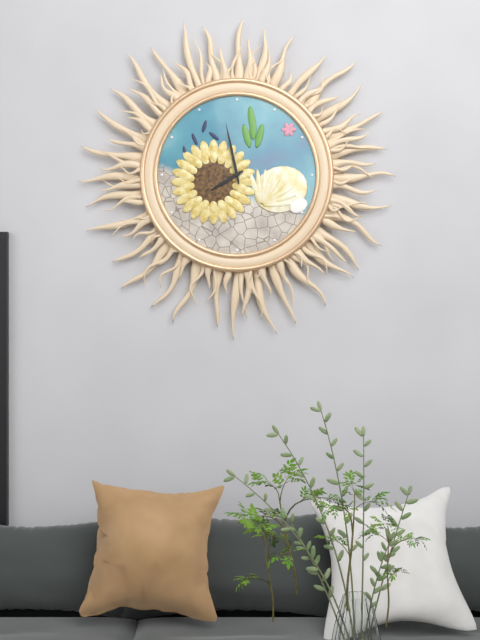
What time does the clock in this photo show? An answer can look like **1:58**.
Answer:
**7:58**
